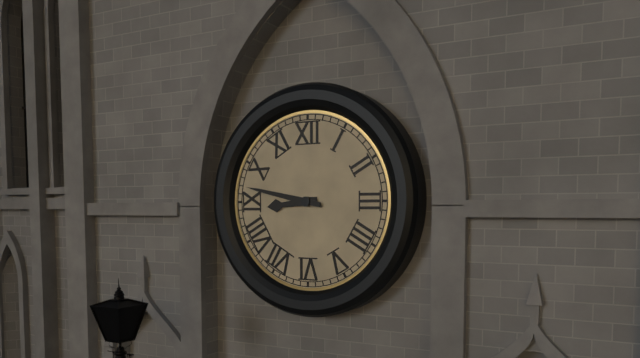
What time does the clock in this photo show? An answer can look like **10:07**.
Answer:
**8:47**
